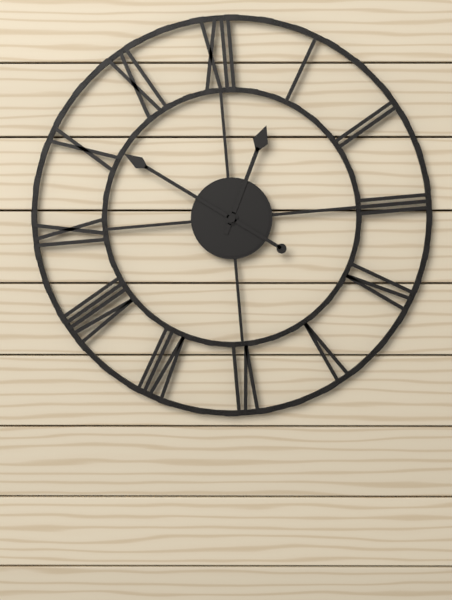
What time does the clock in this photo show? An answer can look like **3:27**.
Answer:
**12:51**
